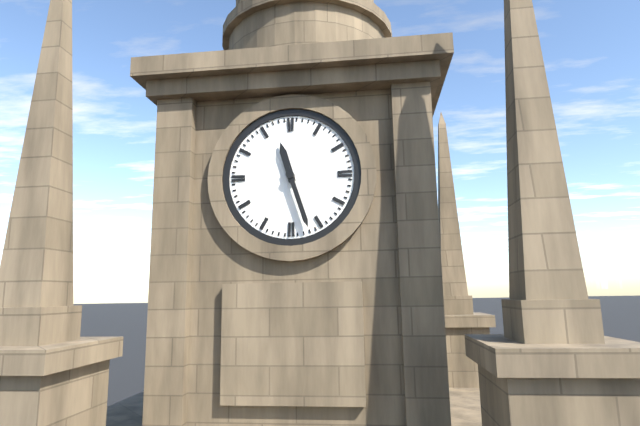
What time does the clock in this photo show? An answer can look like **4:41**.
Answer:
**11:27**
